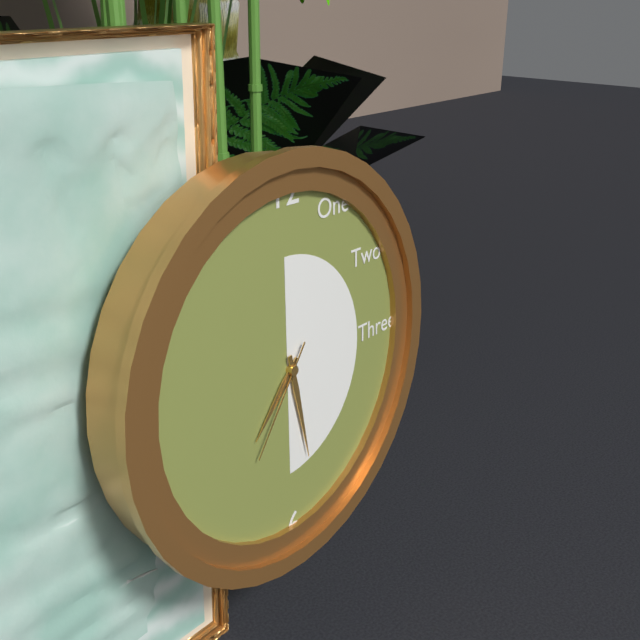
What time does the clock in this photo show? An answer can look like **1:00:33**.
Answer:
**7:28:36**
